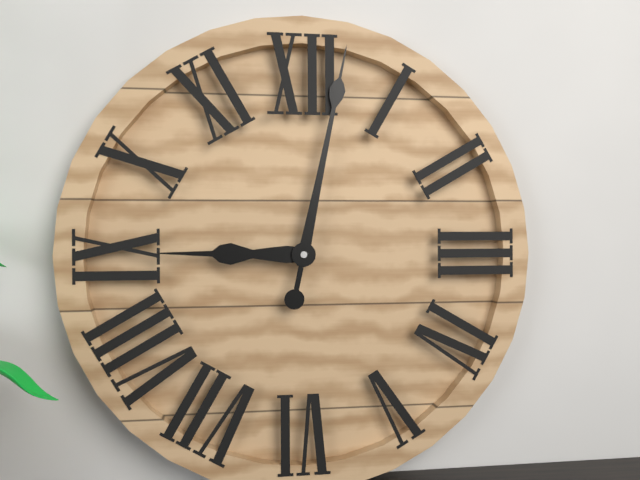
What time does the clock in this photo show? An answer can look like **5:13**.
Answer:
**9:02**
